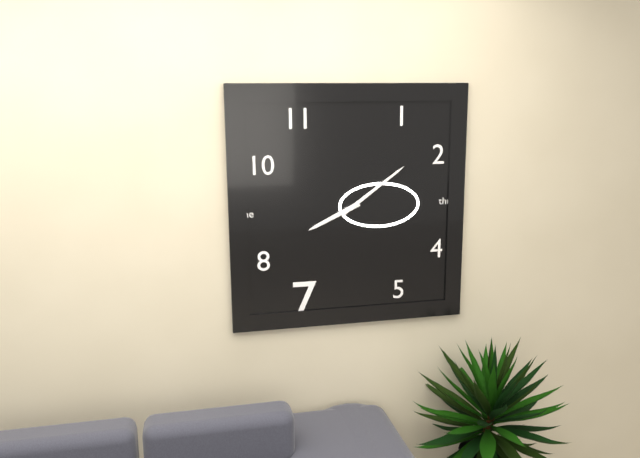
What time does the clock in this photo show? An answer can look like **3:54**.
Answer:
**8:09**
